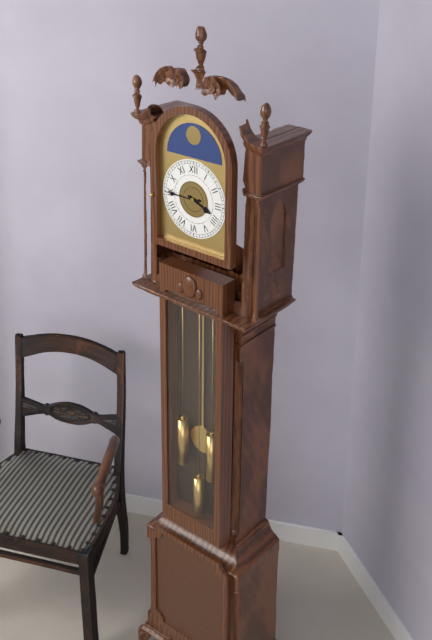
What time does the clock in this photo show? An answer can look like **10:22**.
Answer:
**3:45**
